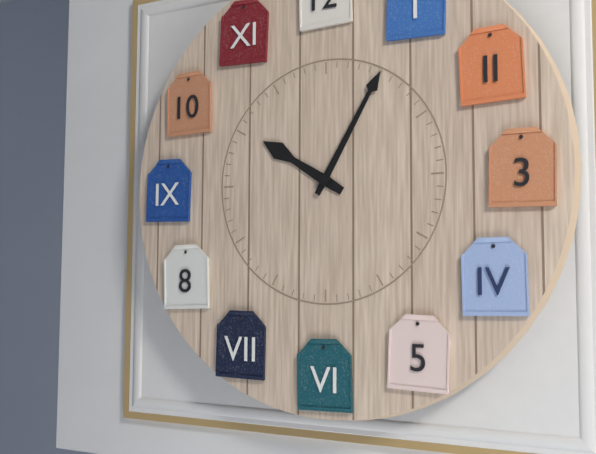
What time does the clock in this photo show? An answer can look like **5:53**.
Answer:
**10:05**
